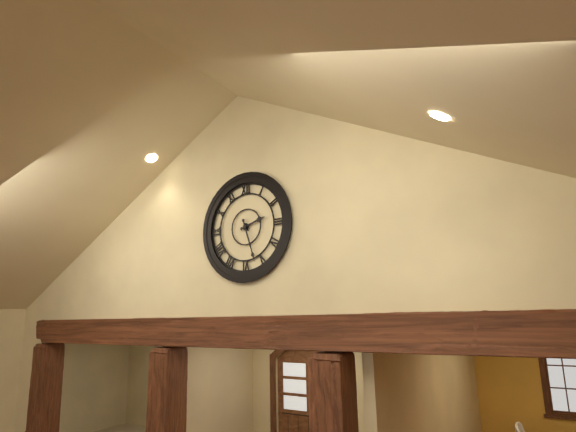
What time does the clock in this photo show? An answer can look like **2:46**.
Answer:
**2:27**
